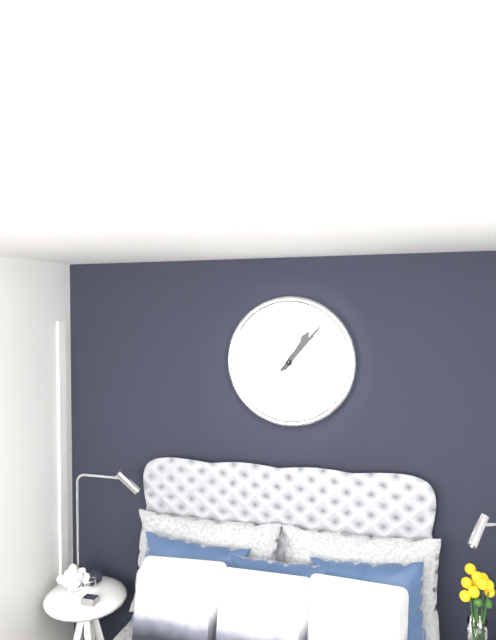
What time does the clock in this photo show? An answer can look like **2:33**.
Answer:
**1:07**
